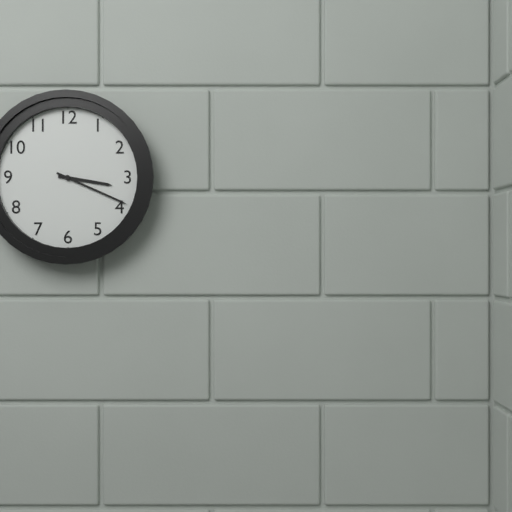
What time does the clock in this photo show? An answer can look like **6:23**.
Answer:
**3:19**
